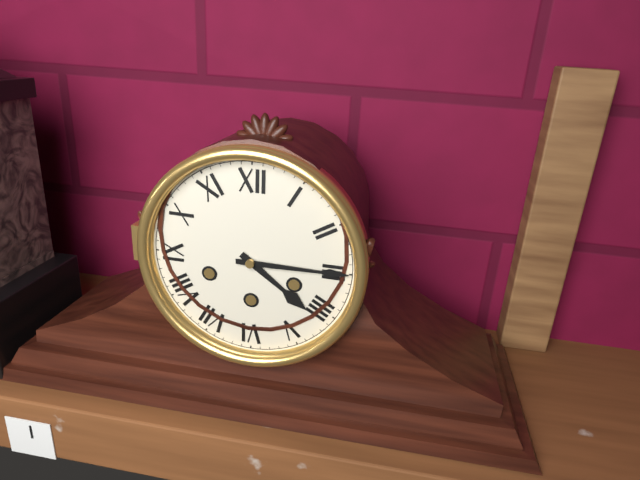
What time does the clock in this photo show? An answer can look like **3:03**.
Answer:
**4:15**
